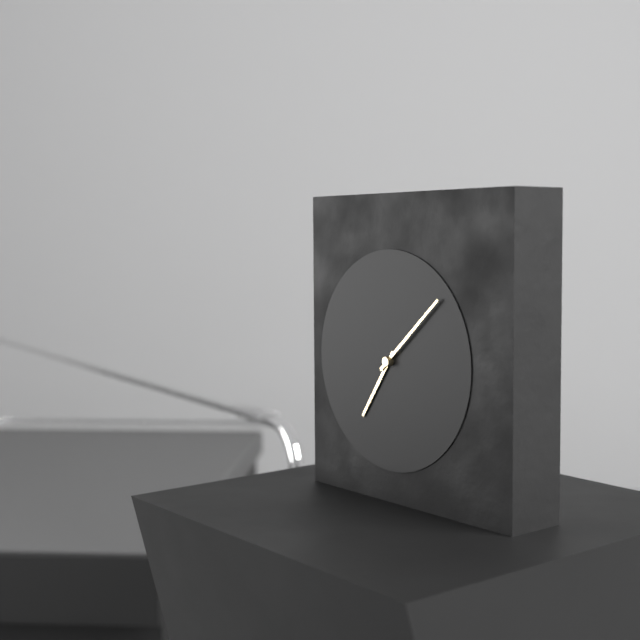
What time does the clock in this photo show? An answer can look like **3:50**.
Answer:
**7:08**
